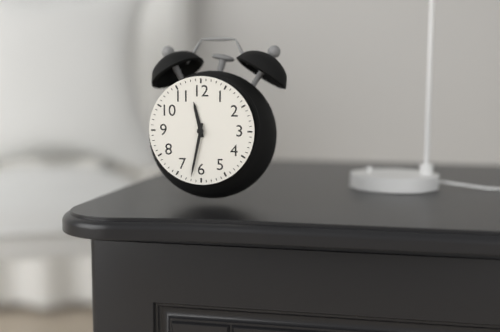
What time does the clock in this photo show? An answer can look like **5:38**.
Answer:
**11:32**
